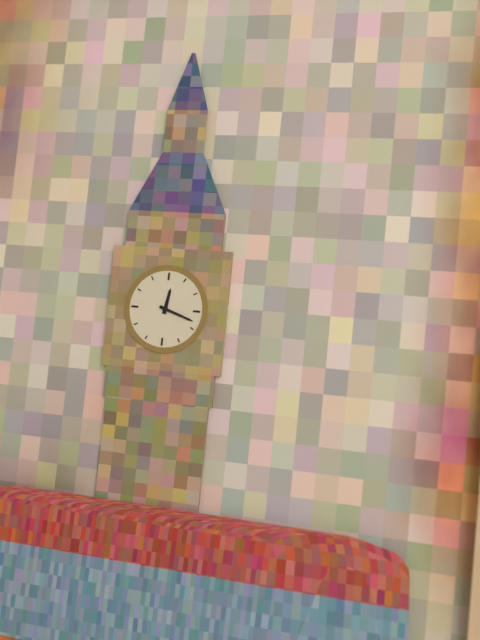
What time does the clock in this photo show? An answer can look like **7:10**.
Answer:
**12:18**
